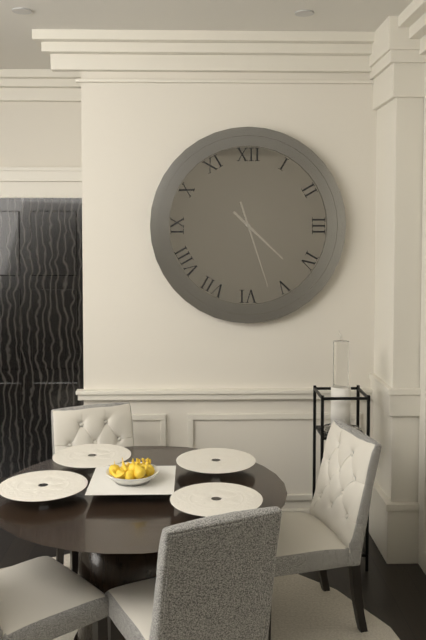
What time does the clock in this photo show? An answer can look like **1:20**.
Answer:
**4:27**
